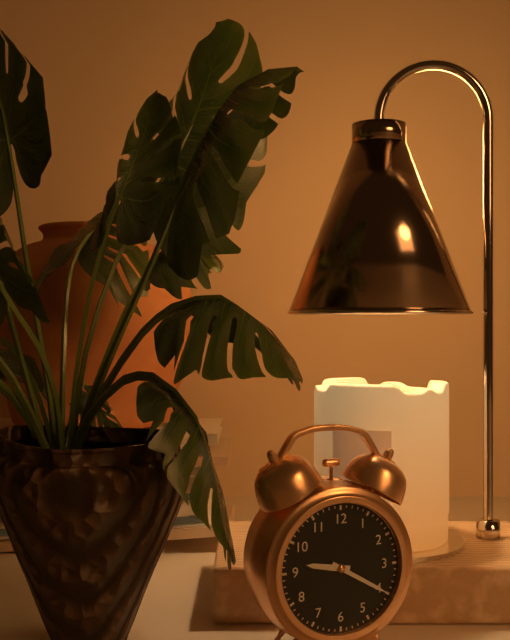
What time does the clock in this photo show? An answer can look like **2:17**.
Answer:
**9:20**
